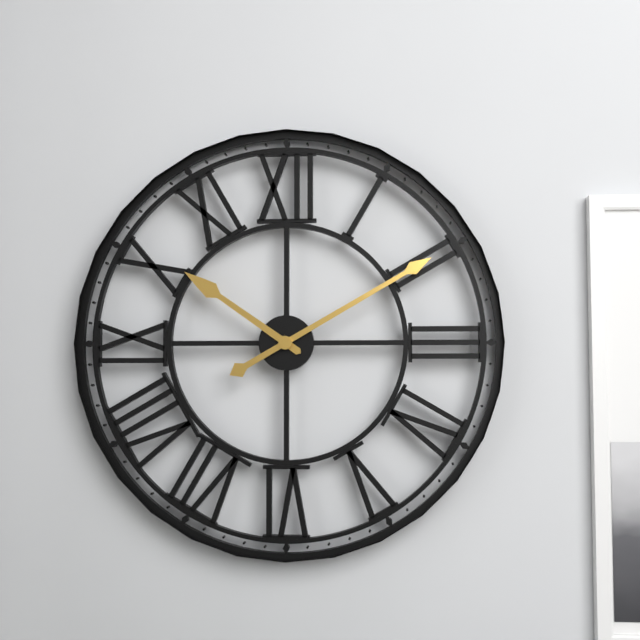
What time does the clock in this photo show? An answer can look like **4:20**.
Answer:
**10:10**
